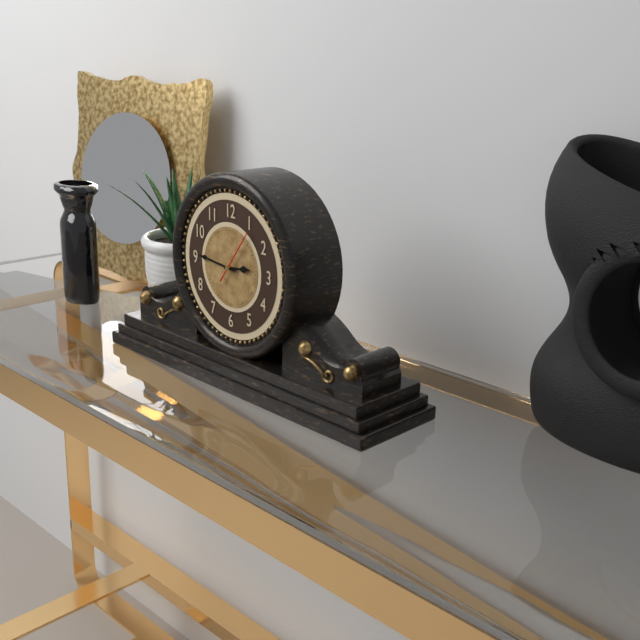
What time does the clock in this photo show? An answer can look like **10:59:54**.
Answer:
**2:46:06**
